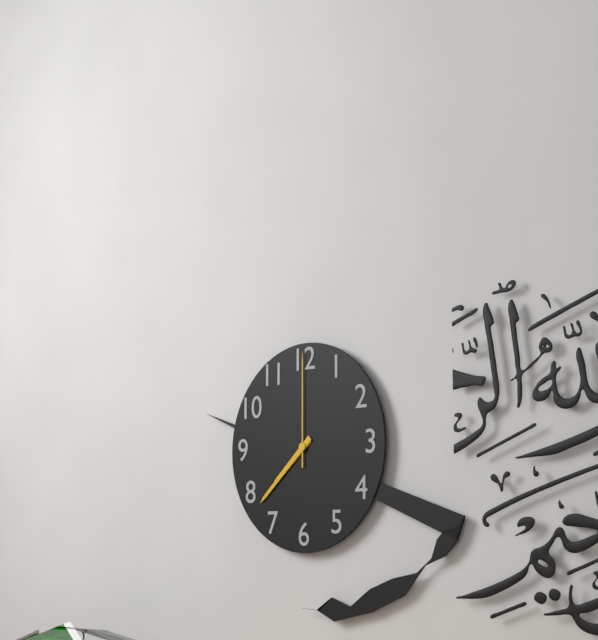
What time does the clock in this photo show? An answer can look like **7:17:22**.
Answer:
**7:38:00**
